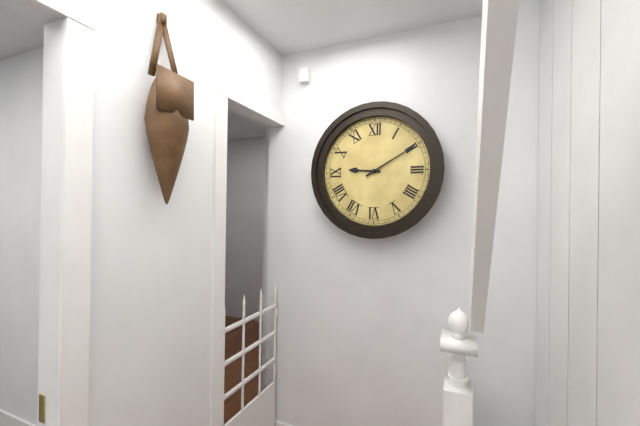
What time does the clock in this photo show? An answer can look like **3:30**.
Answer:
**9:10**
